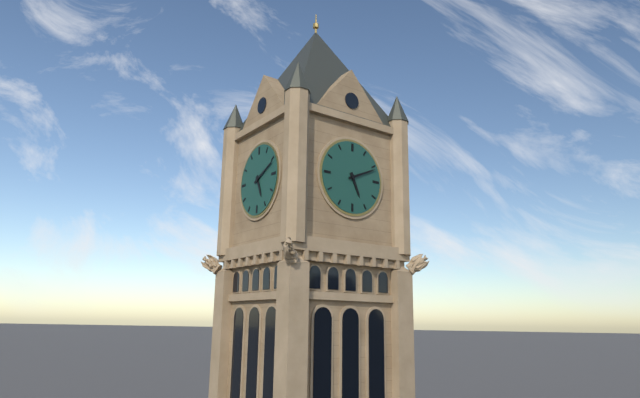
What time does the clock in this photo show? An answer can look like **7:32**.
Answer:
**5:11**
